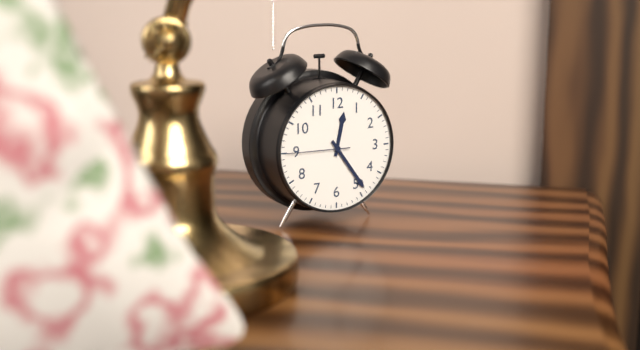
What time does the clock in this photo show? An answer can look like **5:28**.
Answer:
**12:24**
